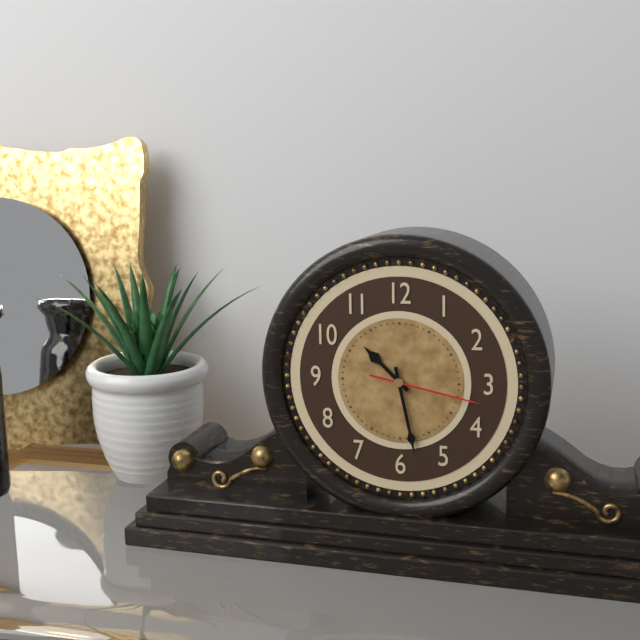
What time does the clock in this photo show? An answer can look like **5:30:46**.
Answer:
**10:28:17**
